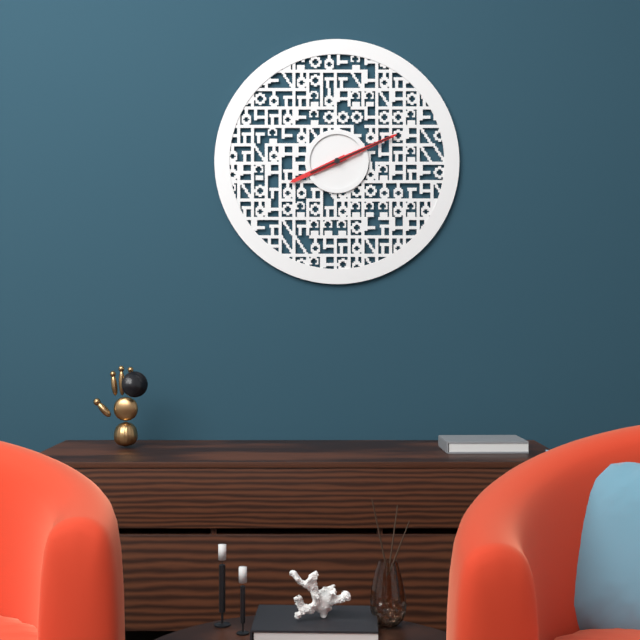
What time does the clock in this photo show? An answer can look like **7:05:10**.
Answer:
**8:11:11**
